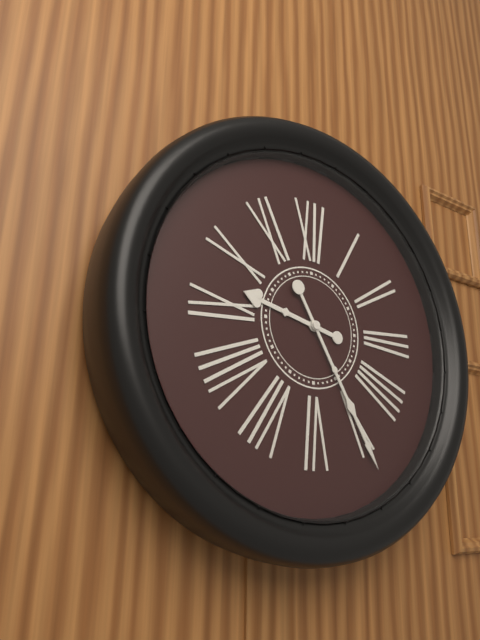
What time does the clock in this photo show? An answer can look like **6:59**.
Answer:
**9:25**
